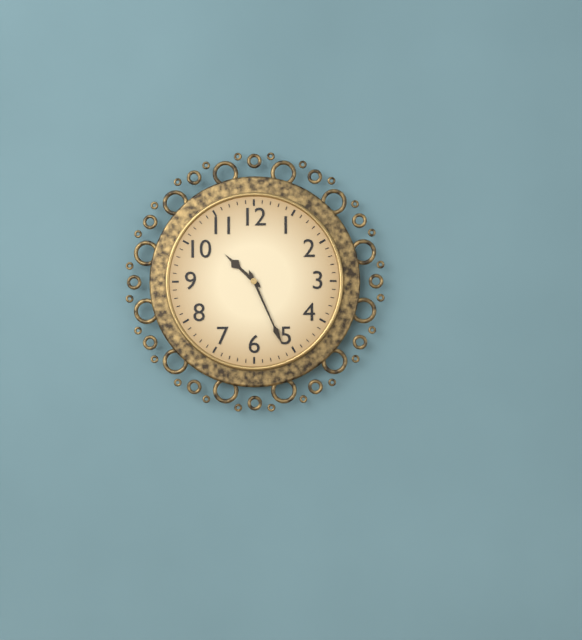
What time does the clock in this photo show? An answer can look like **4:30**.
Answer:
**10:26**
